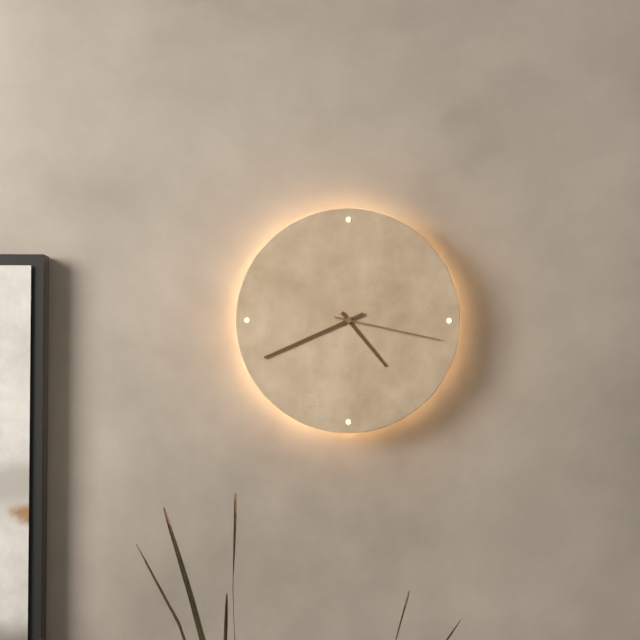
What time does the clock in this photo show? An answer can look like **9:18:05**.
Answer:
**4:41:17**
